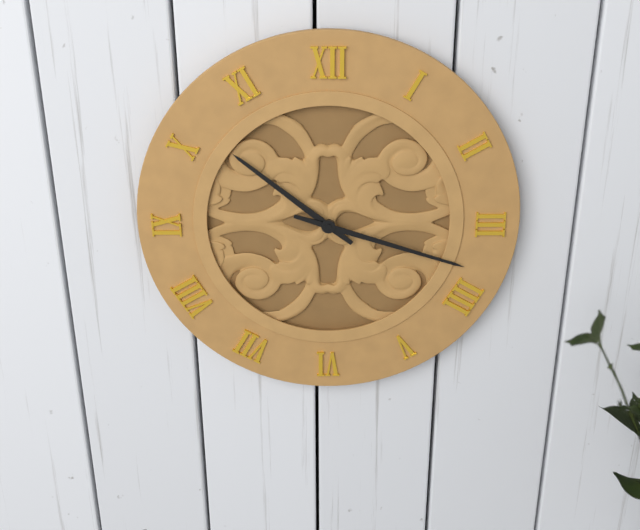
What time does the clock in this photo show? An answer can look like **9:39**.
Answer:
**10:18**
